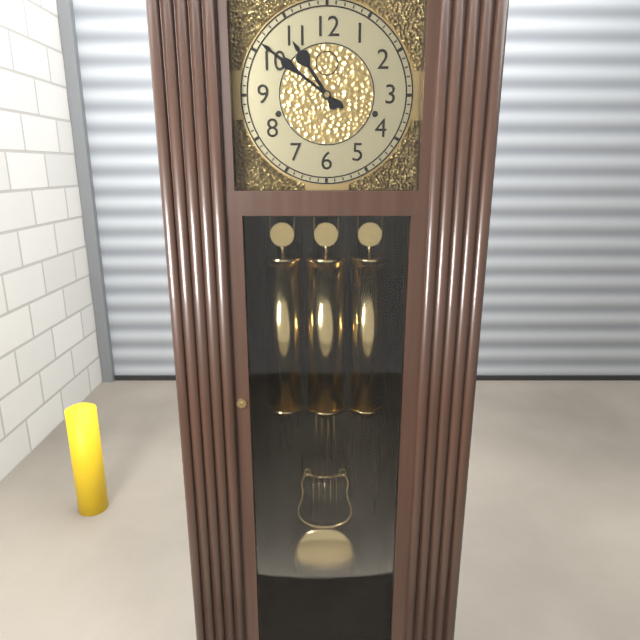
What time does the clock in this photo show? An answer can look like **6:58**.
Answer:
**10:51**
